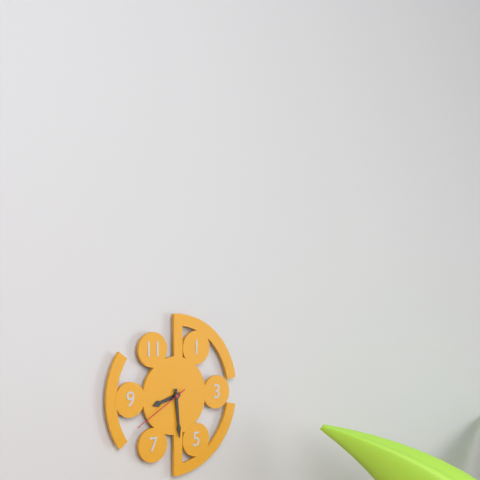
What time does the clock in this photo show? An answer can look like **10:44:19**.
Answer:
**8:29:40**
